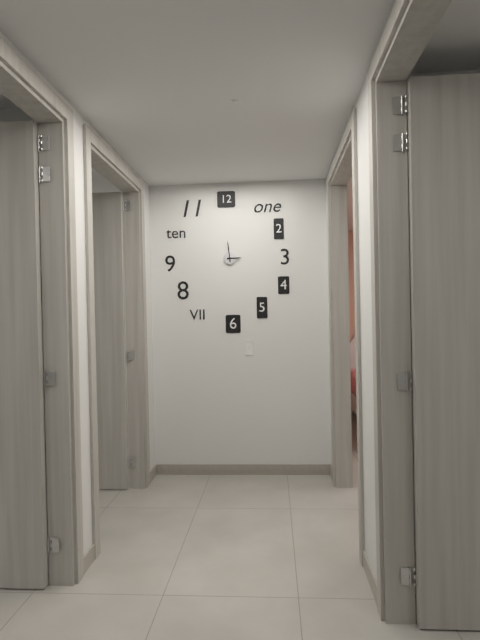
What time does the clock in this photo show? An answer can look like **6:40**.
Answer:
**2:59**
